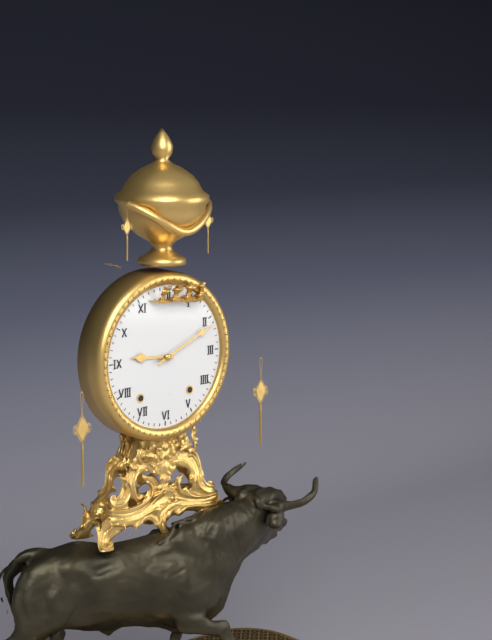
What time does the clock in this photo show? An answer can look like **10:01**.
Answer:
**9:11**
